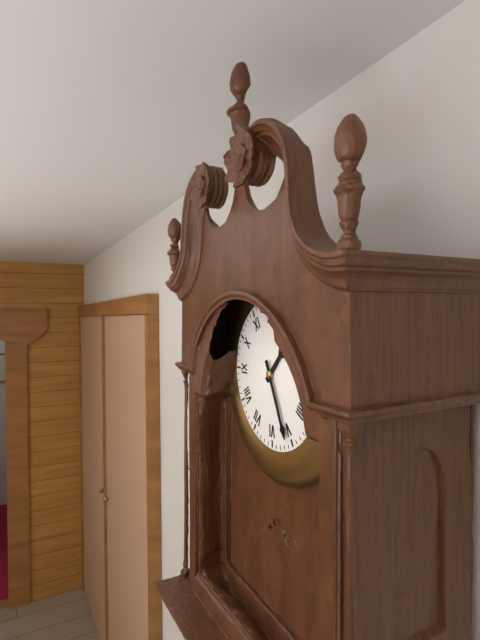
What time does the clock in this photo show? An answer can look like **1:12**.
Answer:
**1:26**
